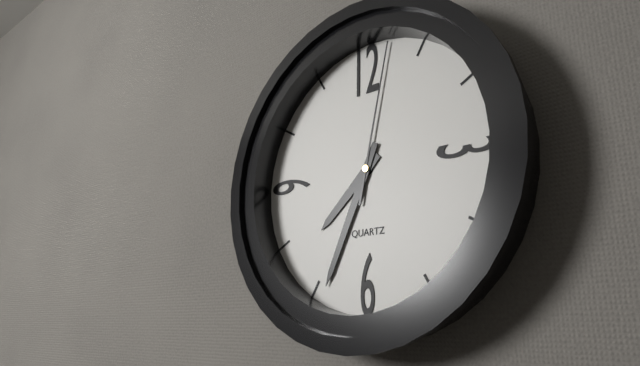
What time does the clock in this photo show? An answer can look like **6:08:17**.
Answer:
**7:34:02**
